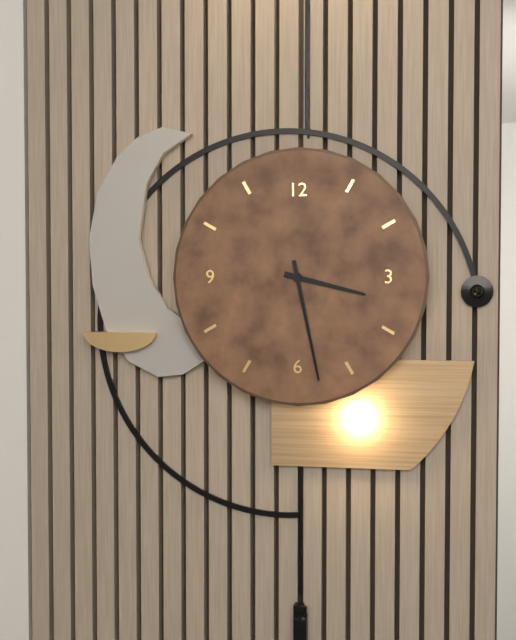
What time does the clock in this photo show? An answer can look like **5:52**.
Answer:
**3:28**
